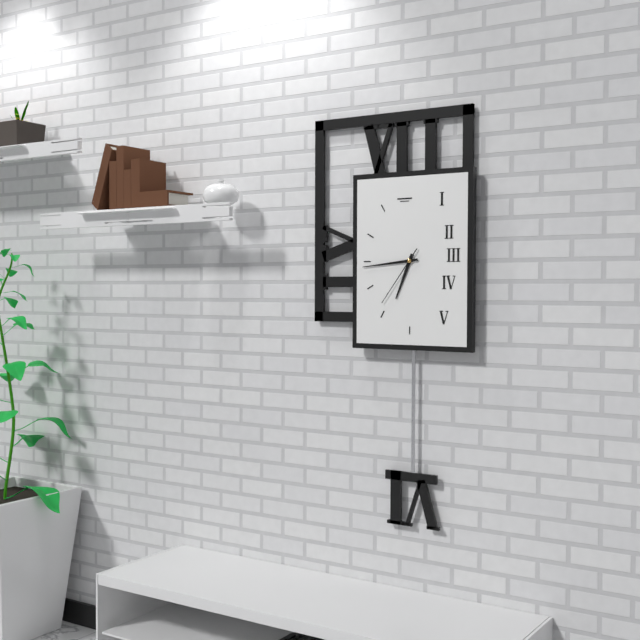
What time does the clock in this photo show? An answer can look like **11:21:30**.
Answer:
**6:44:36**
